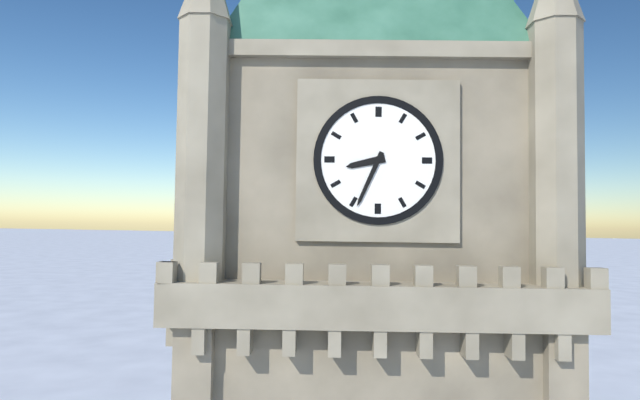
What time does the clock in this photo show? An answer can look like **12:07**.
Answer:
**8:34**
